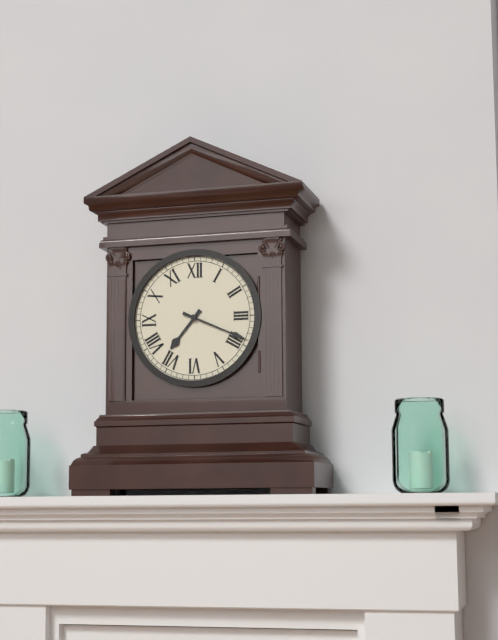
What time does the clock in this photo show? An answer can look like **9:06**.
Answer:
**7:19**
